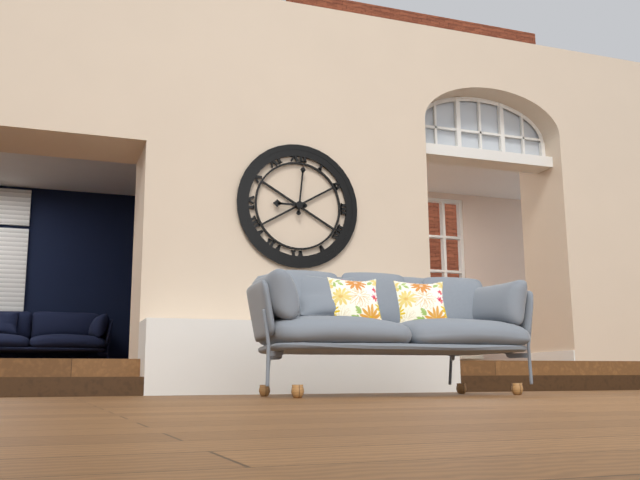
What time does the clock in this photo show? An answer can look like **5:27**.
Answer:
**9:01**
